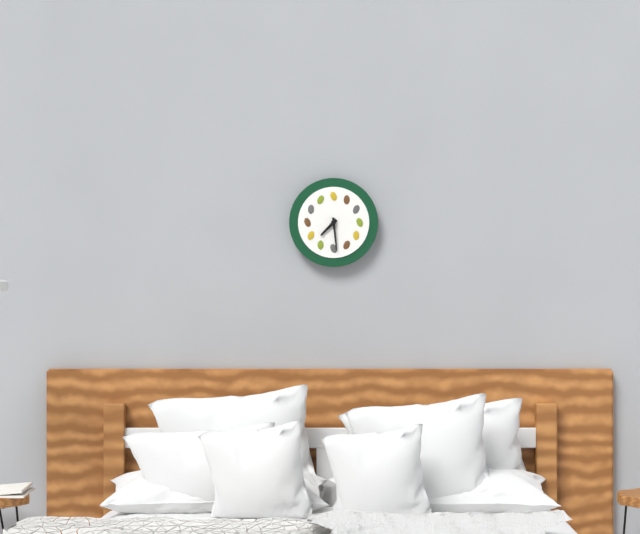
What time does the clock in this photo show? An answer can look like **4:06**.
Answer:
**7:29**
